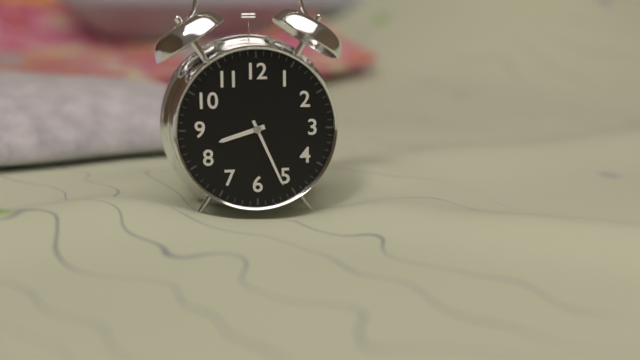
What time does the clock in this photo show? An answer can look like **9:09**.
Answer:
**8:26**
